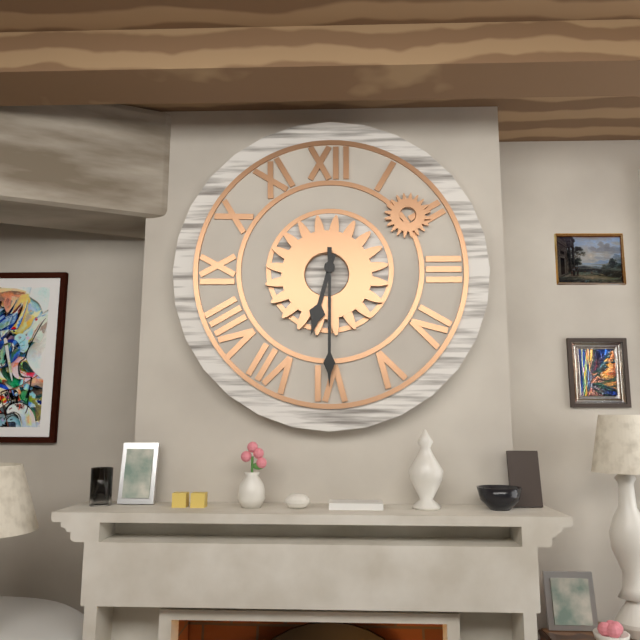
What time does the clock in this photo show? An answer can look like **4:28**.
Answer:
**6:30**
